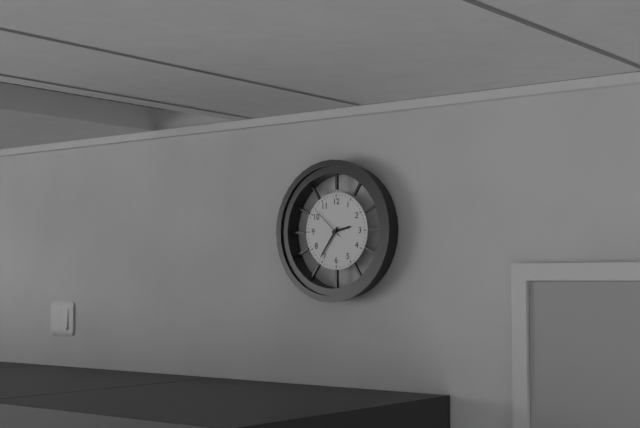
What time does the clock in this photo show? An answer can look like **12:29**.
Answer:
**2:36**
